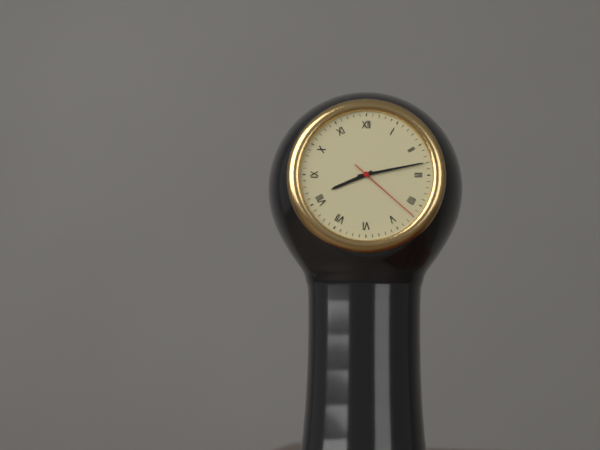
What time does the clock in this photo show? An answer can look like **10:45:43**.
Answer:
**8:13:22**
